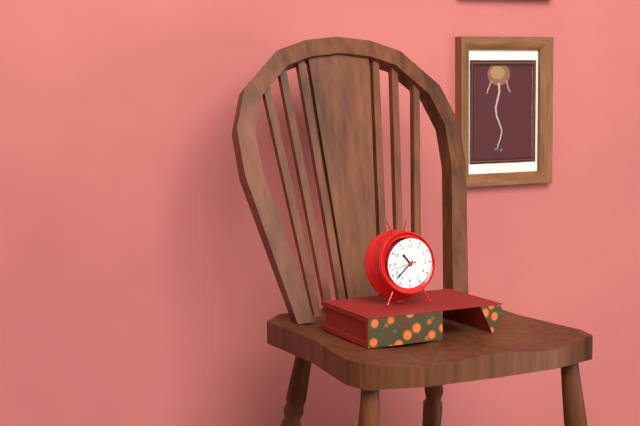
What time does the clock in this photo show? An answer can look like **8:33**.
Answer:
**10:38**
